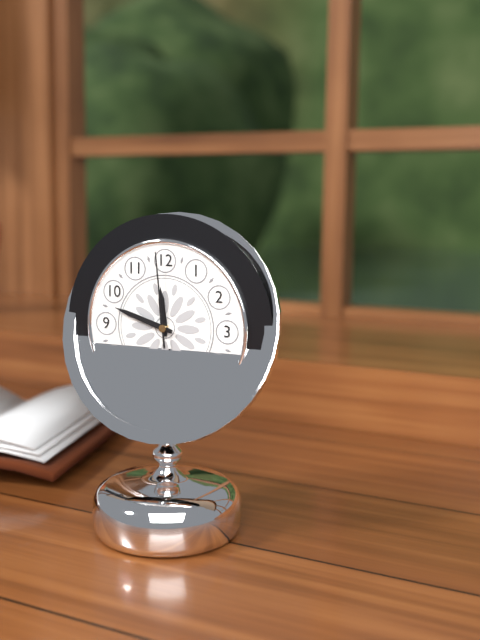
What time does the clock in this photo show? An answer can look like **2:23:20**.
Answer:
**11:48:59**
